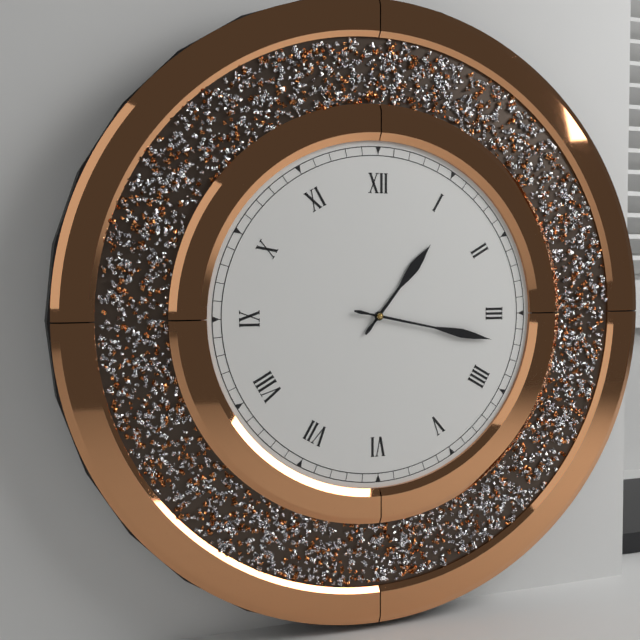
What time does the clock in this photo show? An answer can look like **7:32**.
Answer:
**1:17**
